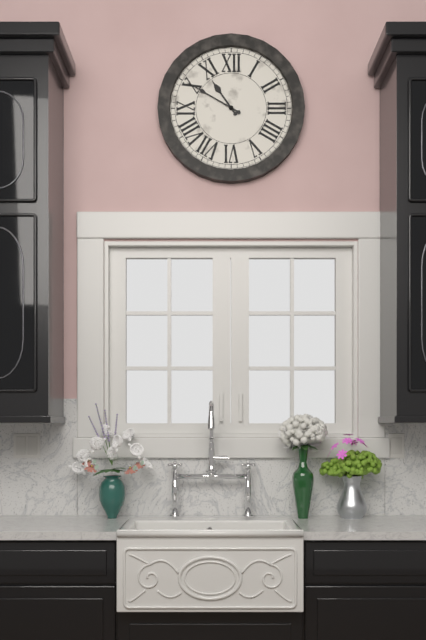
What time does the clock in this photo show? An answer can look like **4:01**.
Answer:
**10:50**
